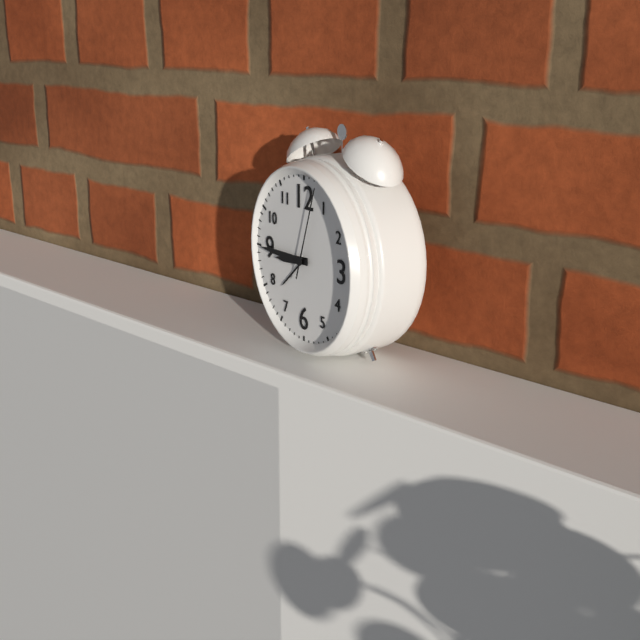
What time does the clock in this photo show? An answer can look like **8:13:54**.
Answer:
**8:45:03**
